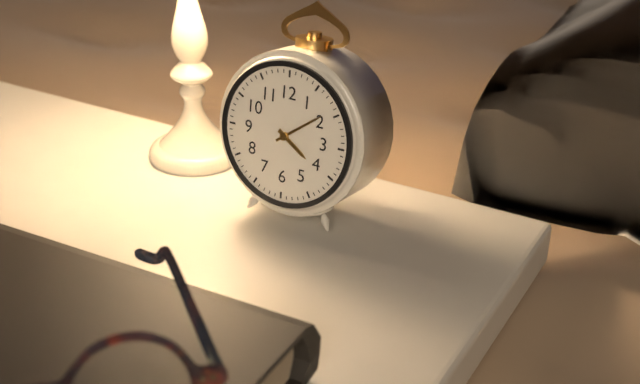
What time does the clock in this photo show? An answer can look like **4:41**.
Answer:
**4:09**
